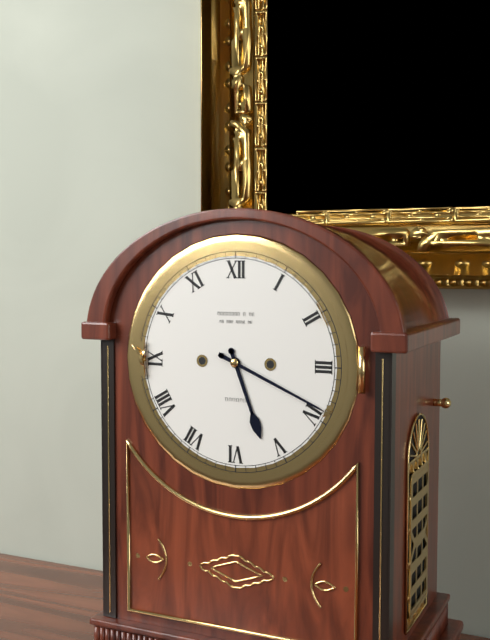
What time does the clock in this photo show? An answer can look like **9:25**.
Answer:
**5:19**
